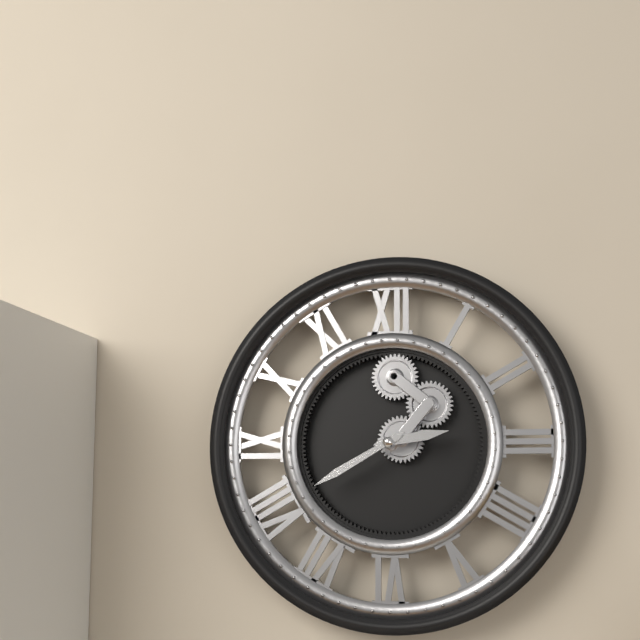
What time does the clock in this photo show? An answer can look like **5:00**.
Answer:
**2:40**
